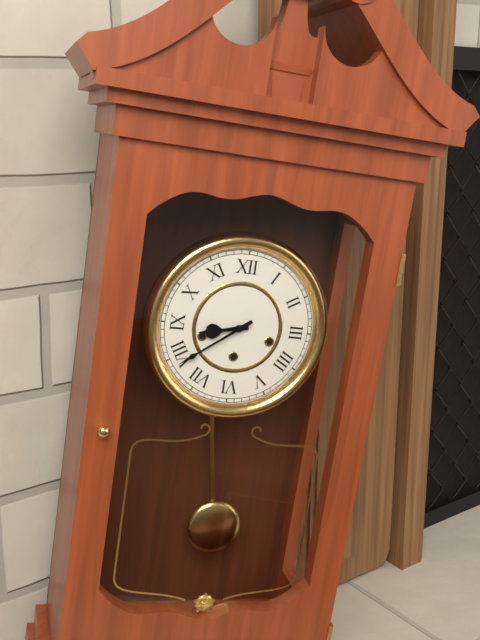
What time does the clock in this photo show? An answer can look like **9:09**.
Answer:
**8:39**
